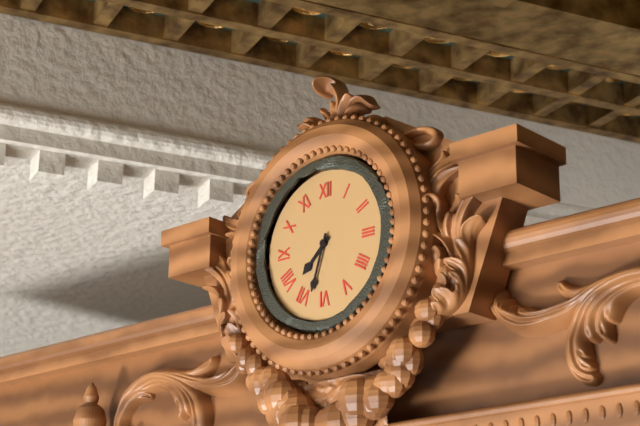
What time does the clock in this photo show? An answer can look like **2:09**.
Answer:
**7:33**
